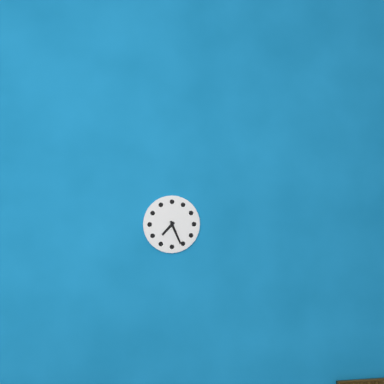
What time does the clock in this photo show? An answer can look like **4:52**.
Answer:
**7:26**
